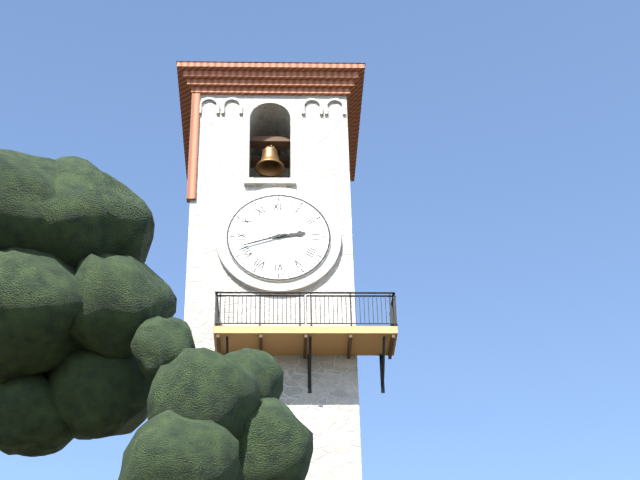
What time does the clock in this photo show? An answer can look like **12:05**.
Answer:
**2:42**
